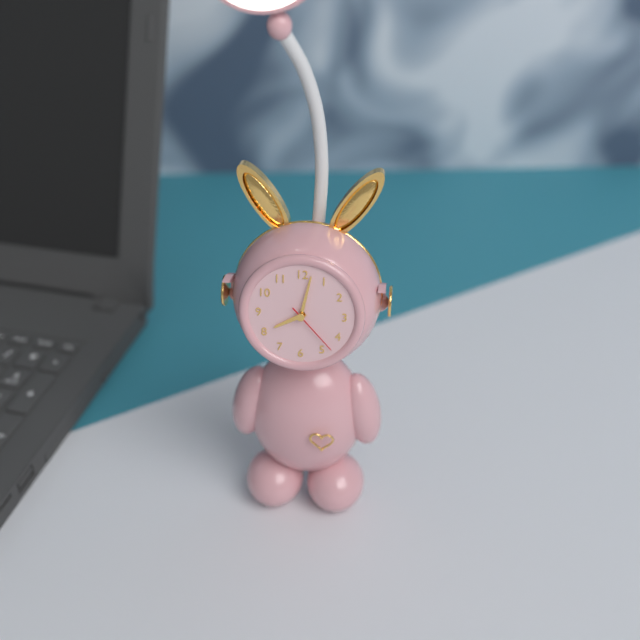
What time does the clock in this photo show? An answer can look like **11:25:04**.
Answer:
**8:02:23**
